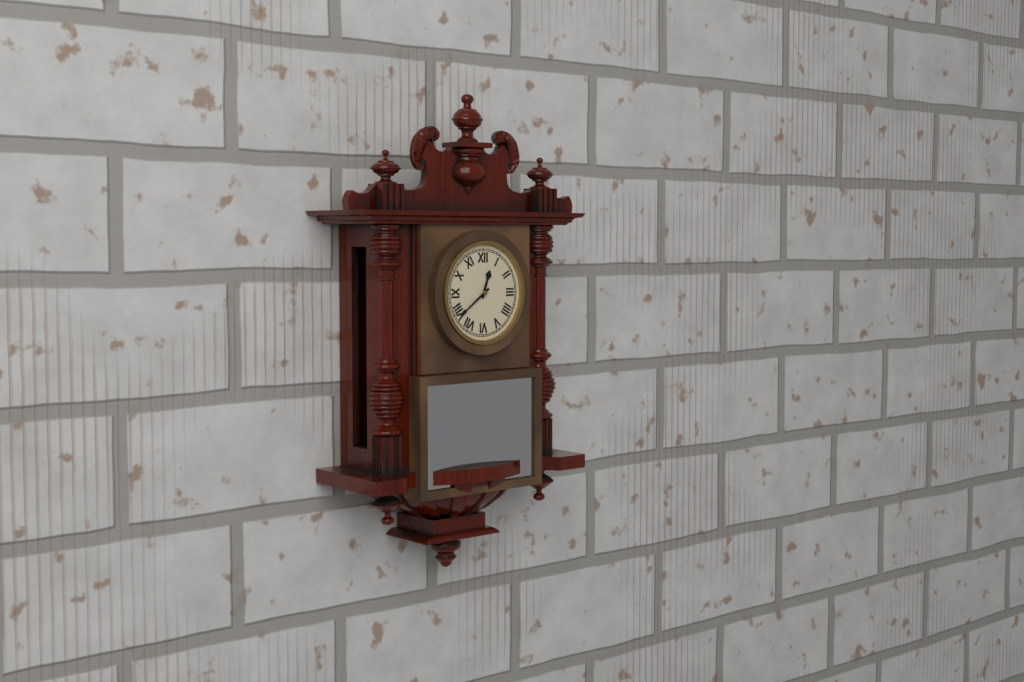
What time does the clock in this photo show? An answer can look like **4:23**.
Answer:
**12:39**
